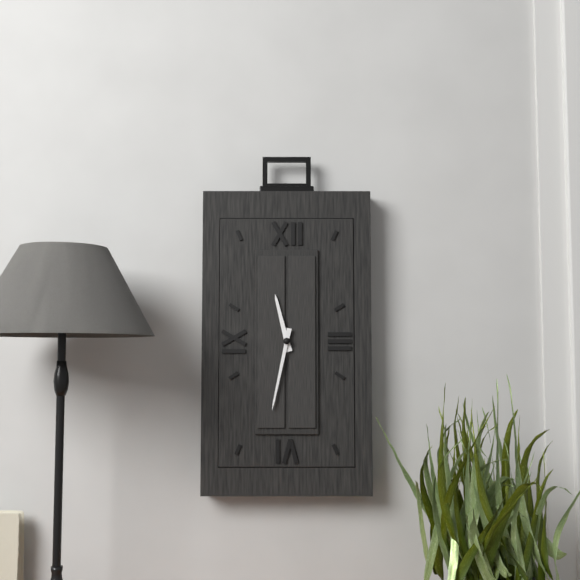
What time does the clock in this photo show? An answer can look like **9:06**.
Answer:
**11:32**
